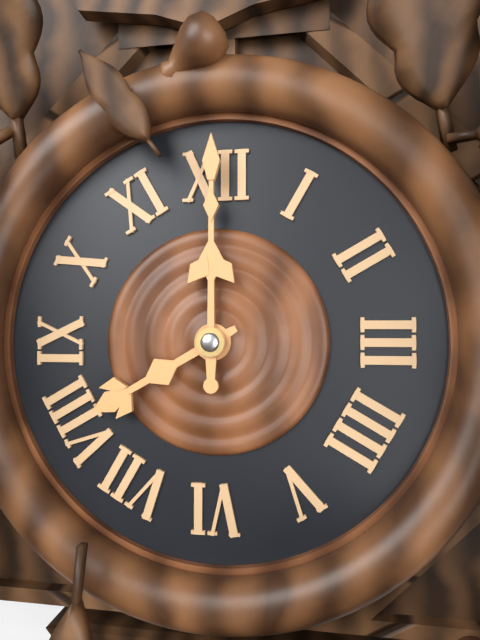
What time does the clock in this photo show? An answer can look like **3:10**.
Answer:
**8:00**
